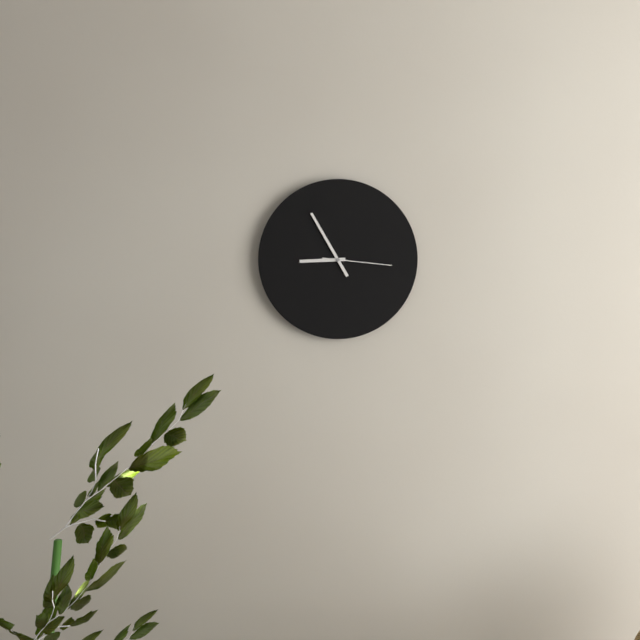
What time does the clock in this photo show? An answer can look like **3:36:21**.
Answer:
**8:55:16**
